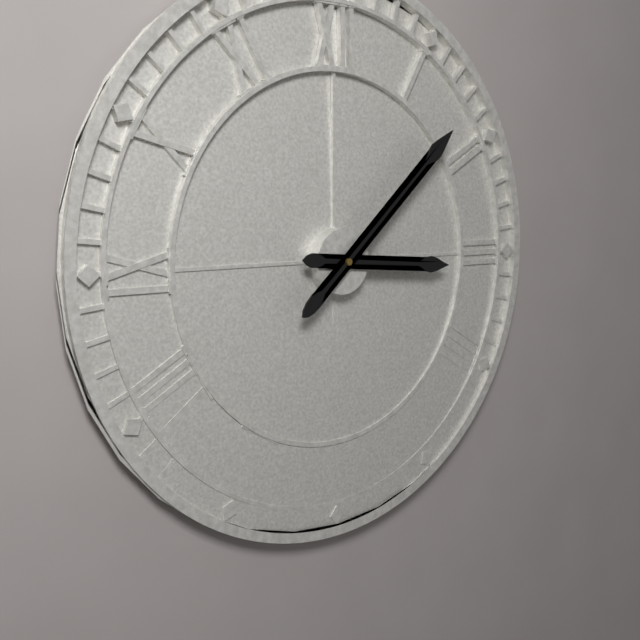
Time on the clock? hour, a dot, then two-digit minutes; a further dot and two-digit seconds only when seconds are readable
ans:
3.08
